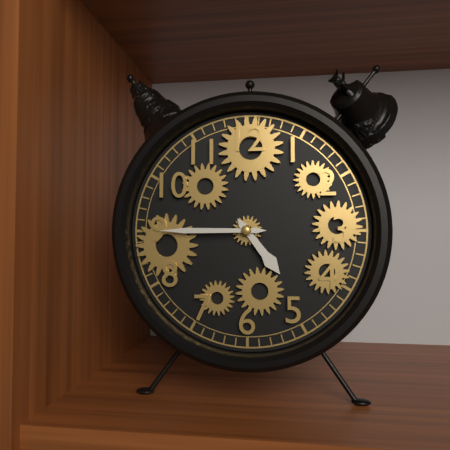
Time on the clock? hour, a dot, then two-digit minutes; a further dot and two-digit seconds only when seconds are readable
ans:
4.45
